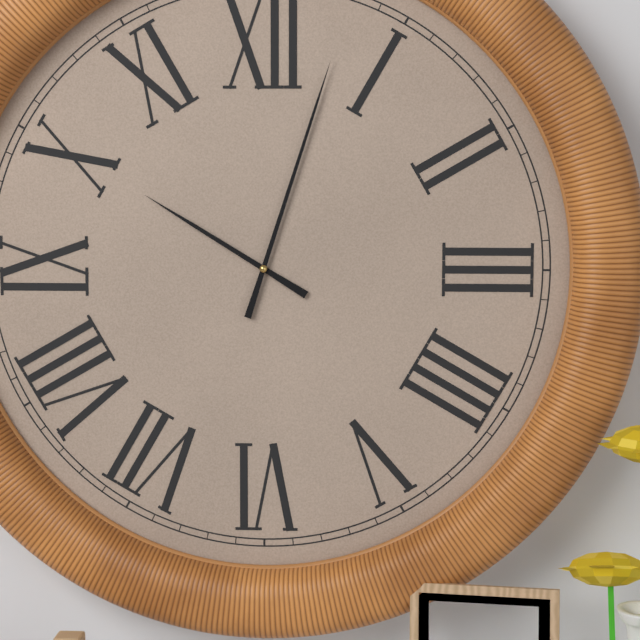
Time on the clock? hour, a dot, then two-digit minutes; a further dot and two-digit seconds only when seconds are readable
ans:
10.03
